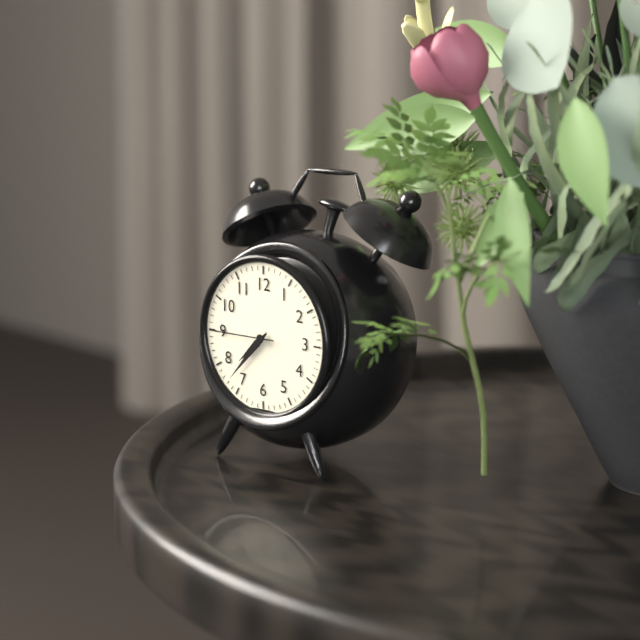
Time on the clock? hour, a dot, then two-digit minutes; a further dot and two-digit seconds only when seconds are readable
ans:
7.37.45
